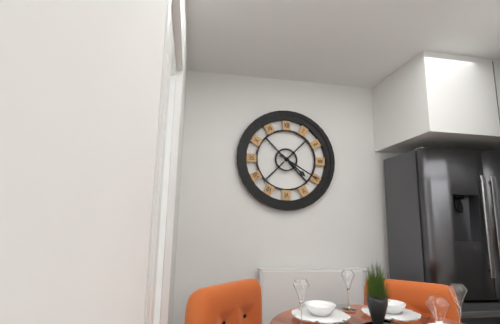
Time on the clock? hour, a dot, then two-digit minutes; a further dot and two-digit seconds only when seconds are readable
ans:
4.20
